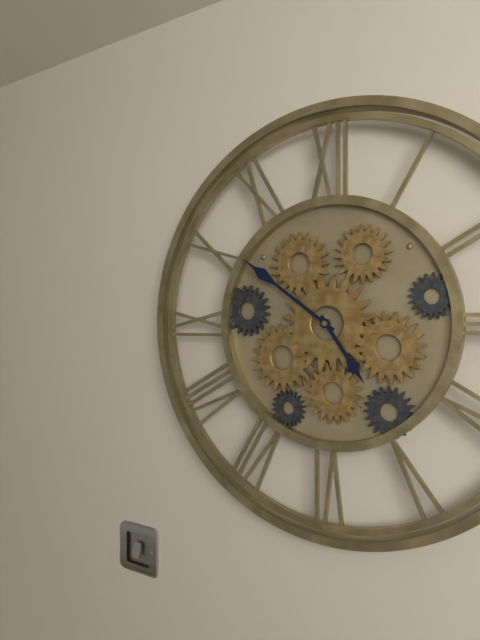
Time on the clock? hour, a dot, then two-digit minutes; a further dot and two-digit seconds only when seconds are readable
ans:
4.51
